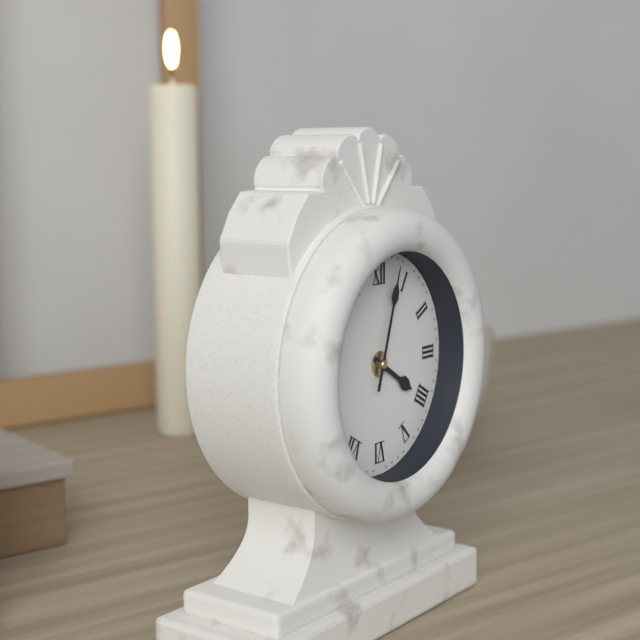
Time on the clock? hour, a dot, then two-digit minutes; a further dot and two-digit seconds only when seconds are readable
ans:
4.03
